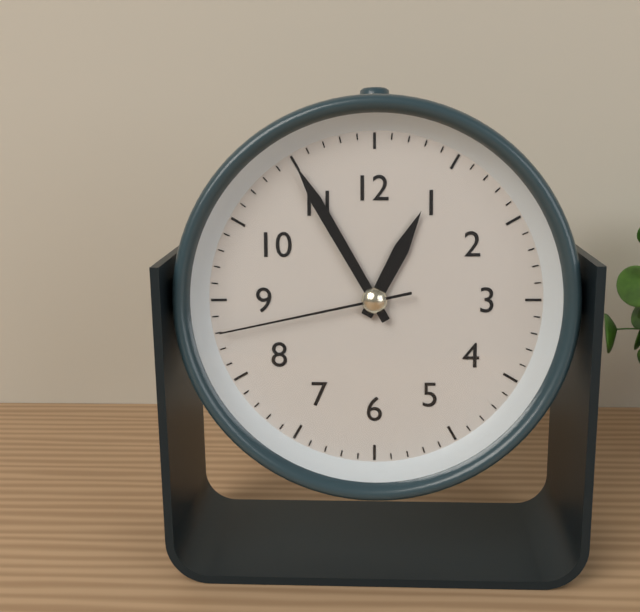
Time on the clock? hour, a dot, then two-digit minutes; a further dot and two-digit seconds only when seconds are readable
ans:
12.55.43
